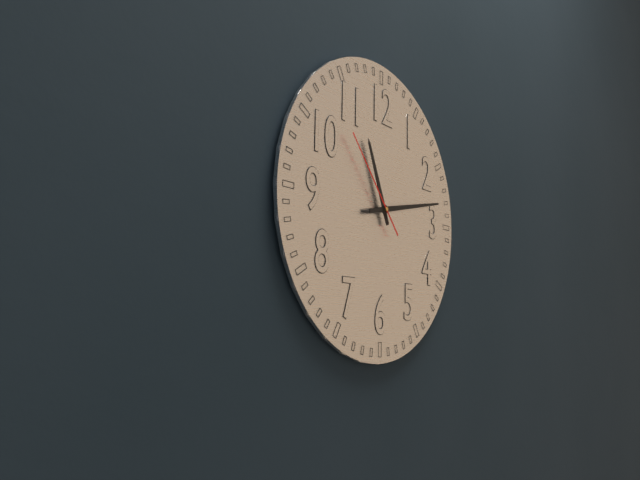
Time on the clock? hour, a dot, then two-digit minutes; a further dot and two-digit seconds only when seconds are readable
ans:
11.13.53
